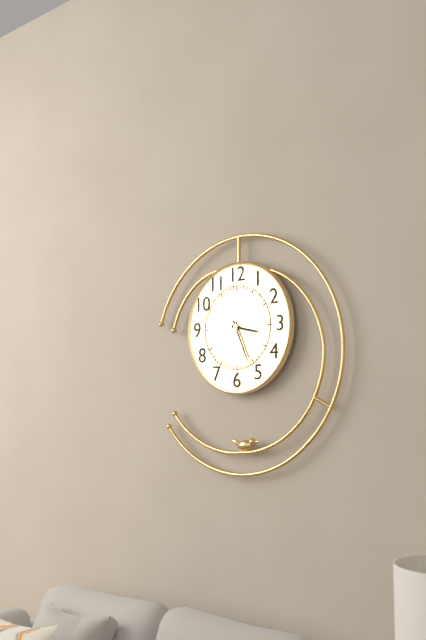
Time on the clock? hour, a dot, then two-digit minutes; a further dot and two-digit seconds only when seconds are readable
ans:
3.26
